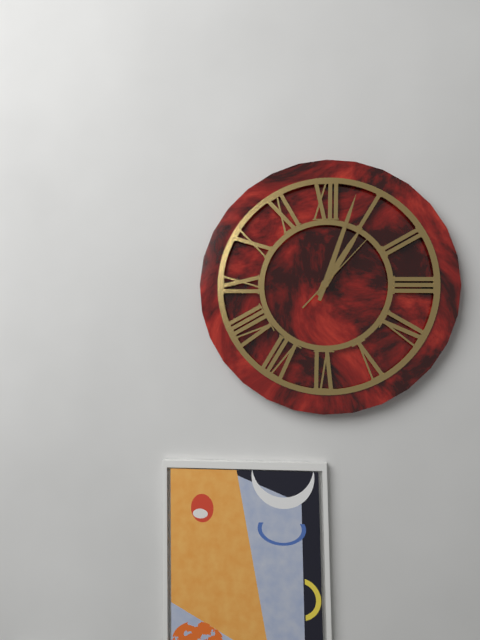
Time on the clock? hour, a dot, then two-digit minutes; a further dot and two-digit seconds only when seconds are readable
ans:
1.03.07
